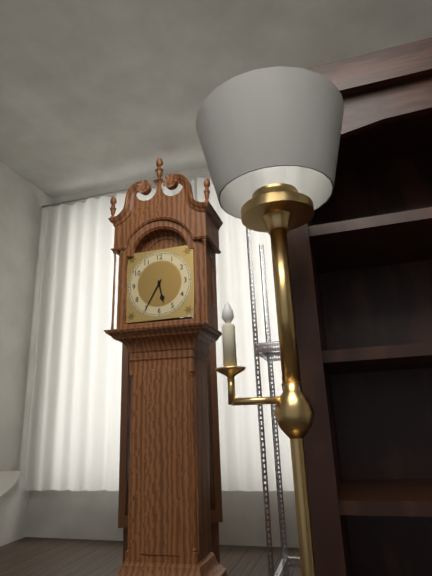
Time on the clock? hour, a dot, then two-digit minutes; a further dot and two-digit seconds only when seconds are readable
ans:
5.35
